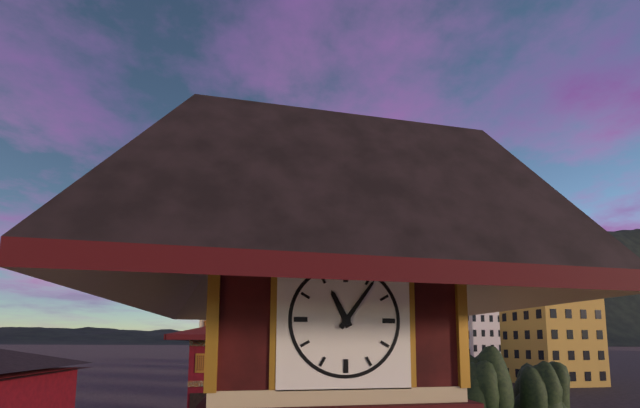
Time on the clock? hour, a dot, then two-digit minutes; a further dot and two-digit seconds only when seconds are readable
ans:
11.06
